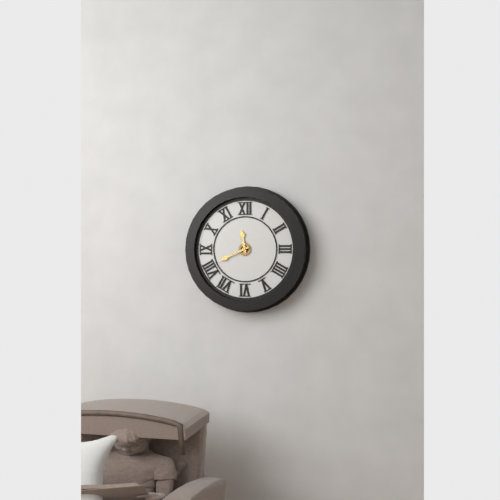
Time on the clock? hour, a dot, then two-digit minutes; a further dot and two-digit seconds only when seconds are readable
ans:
11.41
